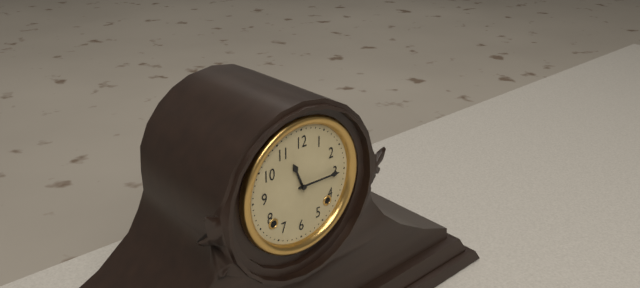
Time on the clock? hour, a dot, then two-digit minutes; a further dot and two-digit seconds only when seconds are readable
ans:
11.15
